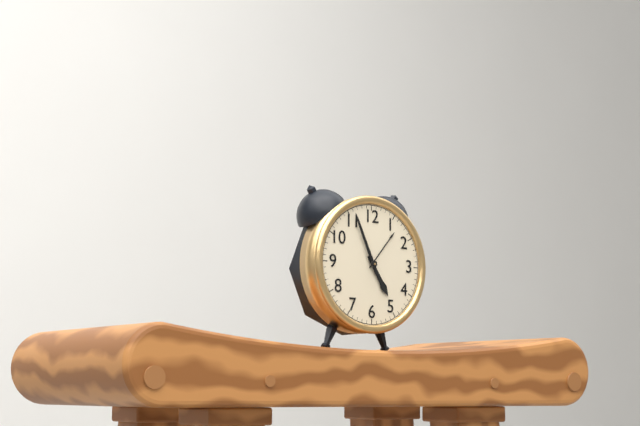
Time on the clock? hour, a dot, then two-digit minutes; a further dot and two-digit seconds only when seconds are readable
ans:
4.56
